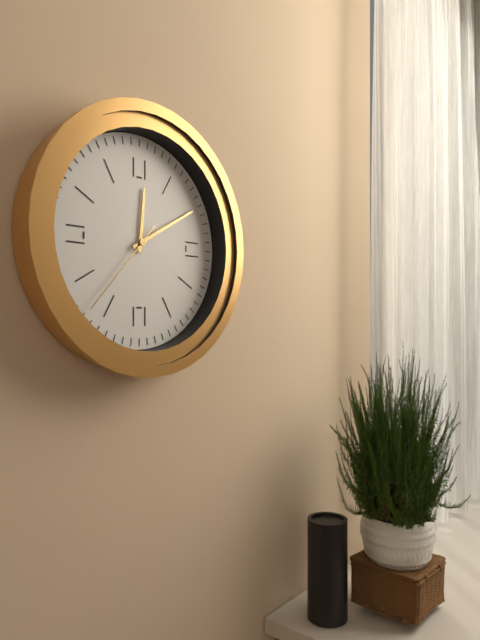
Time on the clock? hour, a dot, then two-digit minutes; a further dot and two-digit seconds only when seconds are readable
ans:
12.10.37
